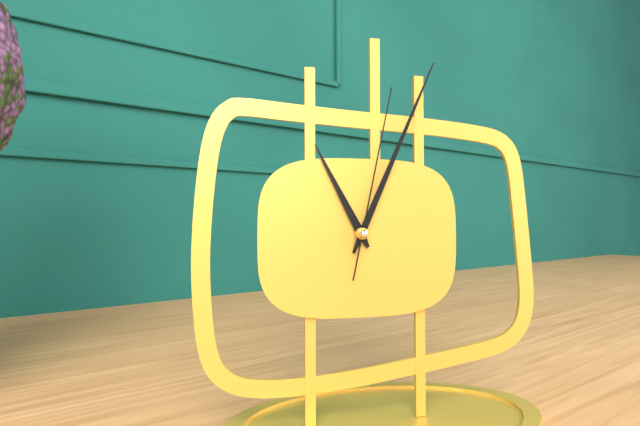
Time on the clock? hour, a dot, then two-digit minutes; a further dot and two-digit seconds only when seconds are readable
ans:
11.04.02
